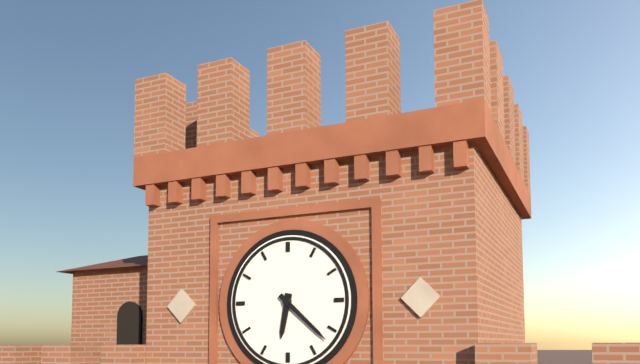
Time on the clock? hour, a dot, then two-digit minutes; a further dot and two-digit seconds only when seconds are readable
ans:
6.22
